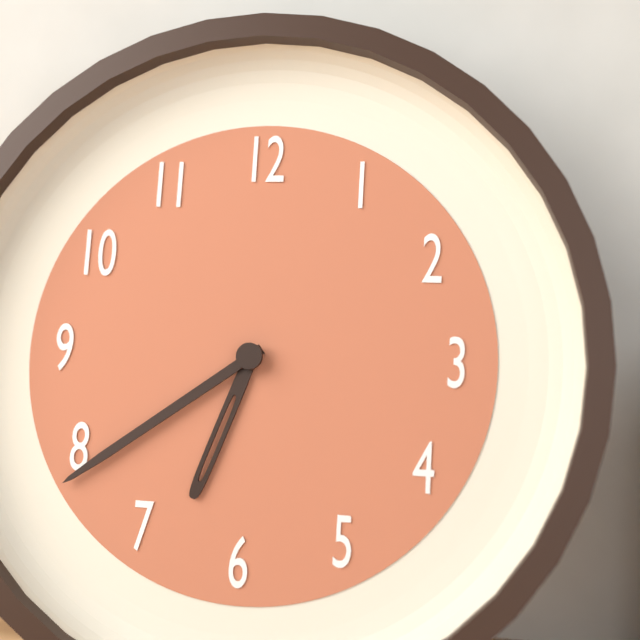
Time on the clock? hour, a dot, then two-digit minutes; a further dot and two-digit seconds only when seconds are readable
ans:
6.39
